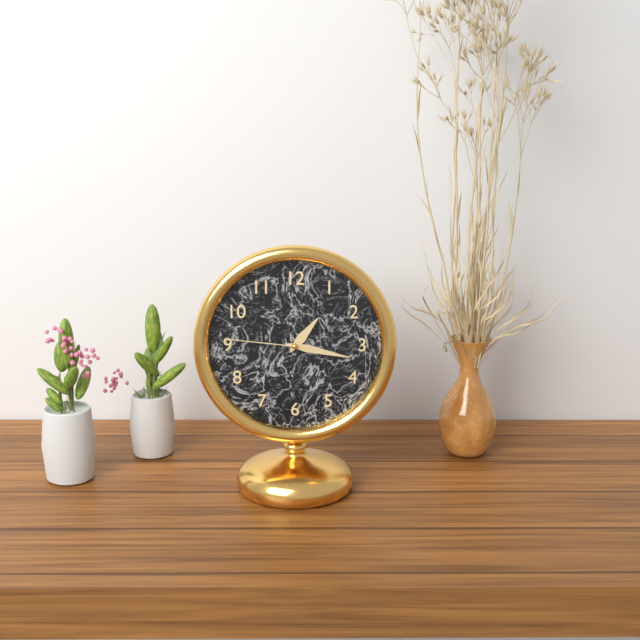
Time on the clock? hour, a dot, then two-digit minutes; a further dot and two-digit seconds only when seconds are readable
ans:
1.17.46
